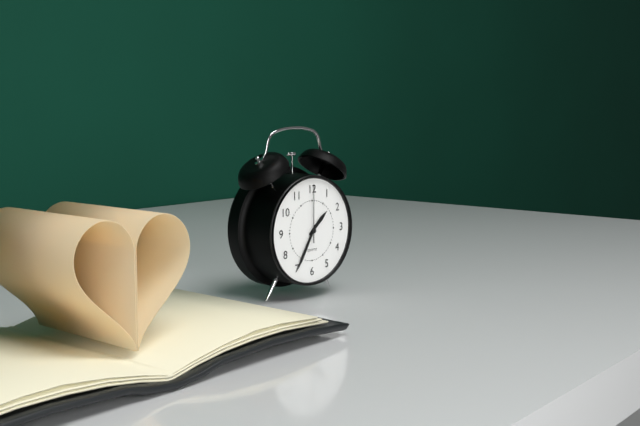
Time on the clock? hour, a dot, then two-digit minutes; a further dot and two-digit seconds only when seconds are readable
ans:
1.35.00
